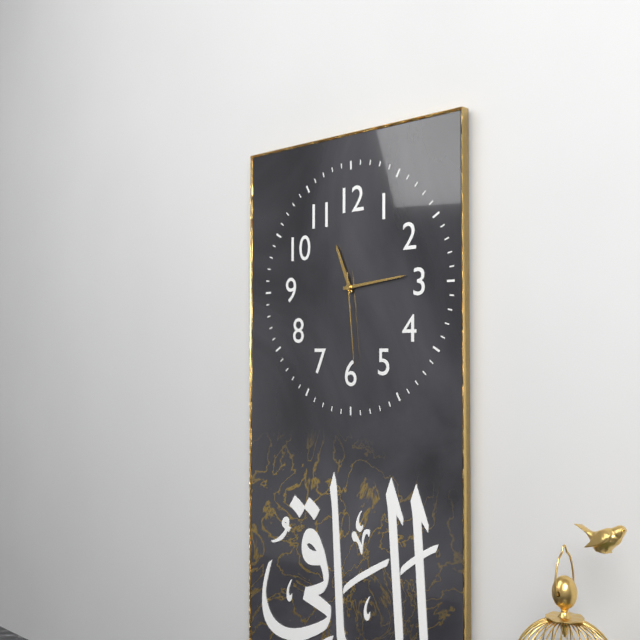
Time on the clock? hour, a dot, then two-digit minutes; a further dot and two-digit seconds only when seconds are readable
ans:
11.14.29
